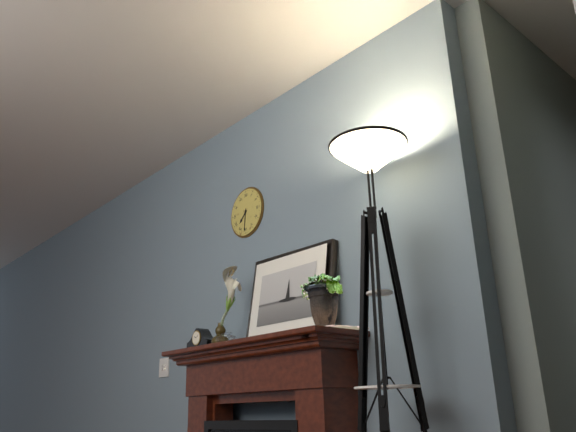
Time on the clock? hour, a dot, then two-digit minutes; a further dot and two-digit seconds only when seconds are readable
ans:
7.31
